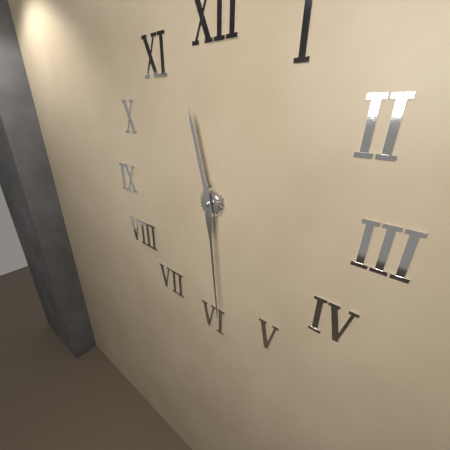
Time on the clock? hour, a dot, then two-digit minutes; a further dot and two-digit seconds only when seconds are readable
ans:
11.29
